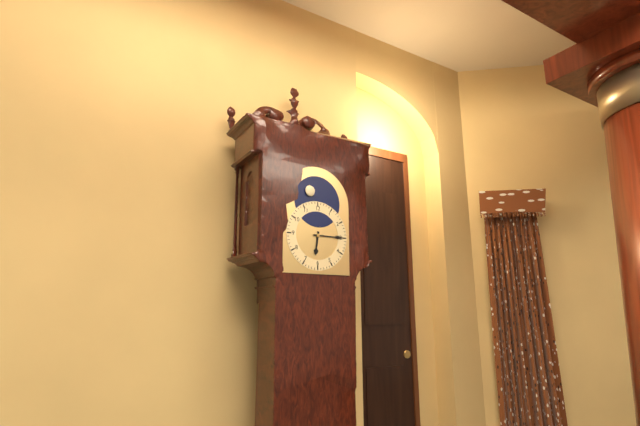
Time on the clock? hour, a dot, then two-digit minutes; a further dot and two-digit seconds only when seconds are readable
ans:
6.15
